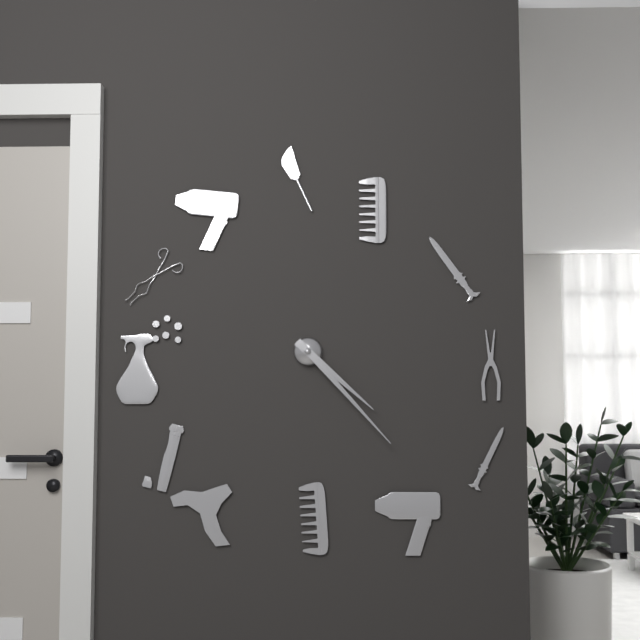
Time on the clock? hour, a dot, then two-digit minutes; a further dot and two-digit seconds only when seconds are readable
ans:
4.23
